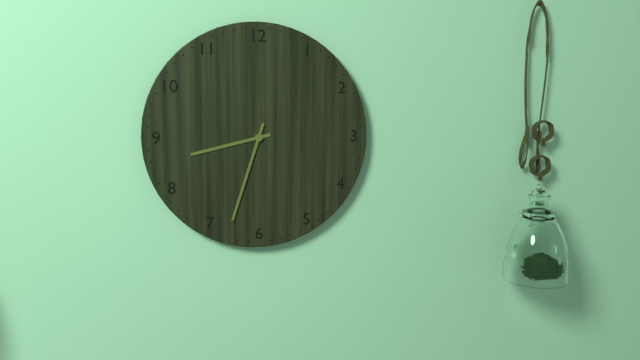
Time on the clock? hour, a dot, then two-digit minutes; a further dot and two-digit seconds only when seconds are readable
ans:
8.33
